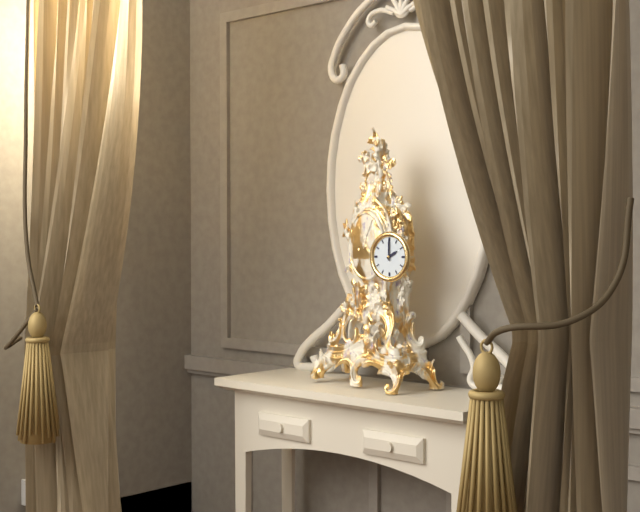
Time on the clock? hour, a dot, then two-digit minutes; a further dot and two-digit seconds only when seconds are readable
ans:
2.00
